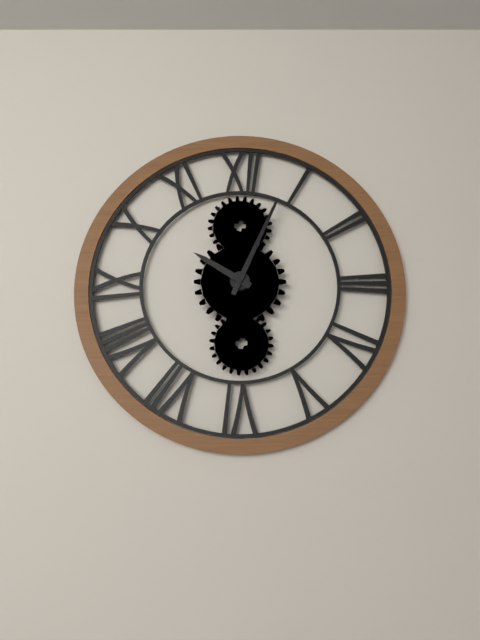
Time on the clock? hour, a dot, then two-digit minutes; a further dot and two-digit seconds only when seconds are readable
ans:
10.04
